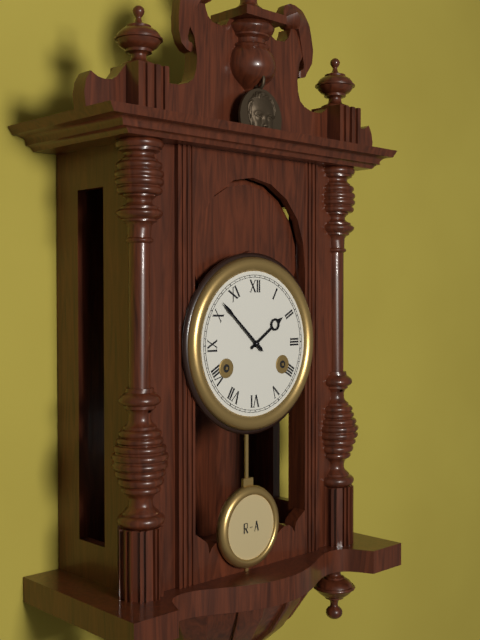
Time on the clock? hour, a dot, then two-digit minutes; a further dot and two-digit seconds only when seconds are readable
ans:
1.52
